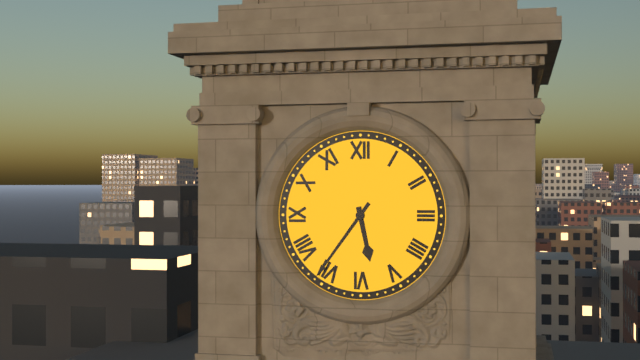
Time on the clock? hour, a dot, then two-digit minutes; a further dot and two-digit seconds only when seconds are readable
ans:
5.36
